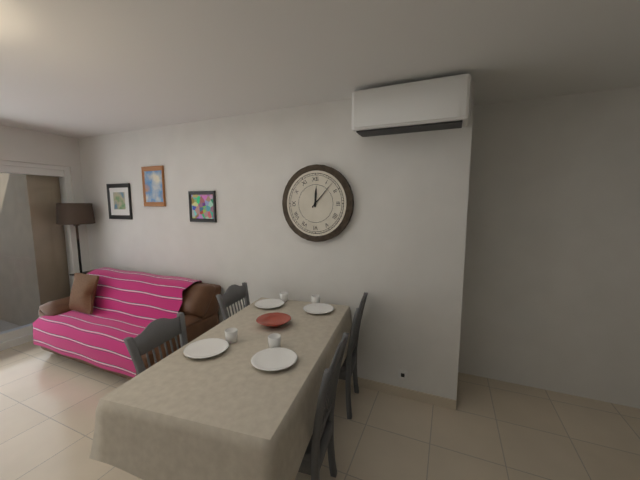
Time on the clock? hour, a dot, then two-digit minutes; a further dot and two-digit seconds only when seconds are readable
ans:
12.07
